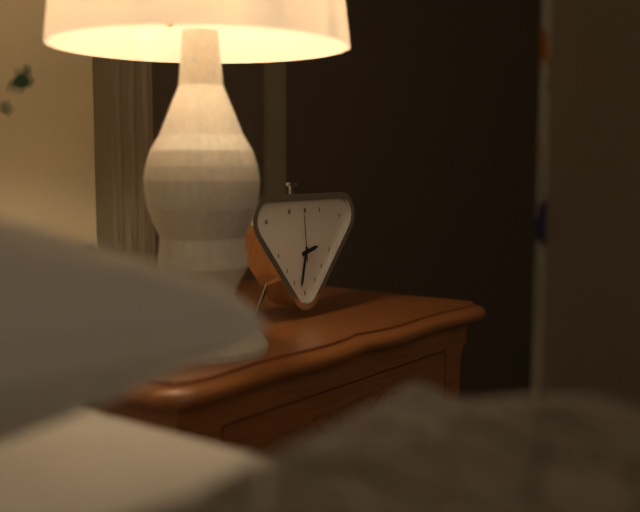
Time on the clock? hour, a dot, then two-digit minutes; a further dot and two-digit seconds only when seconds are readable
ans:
2.32
